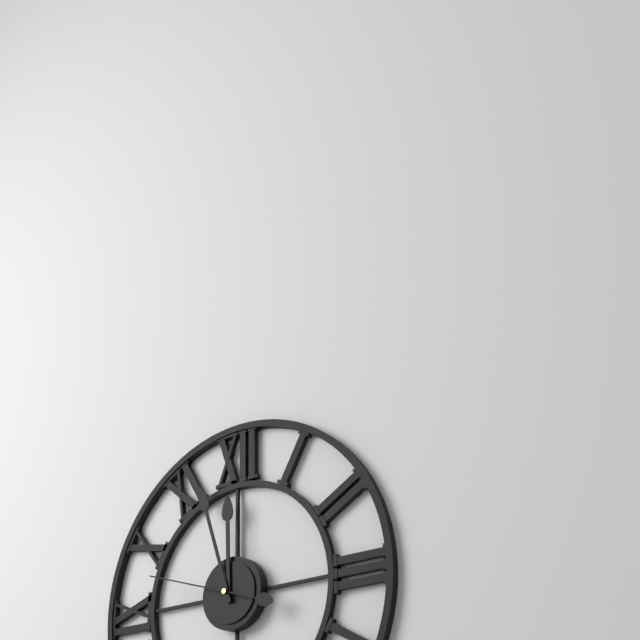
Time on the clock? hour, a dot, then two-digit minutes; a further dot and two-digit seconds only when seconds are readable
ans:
11.57.48
